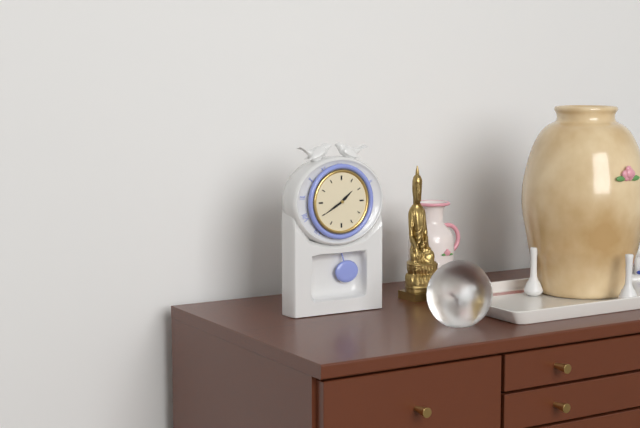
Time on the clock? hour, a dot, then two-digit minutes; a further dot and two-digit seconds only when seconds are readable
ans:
1.40
